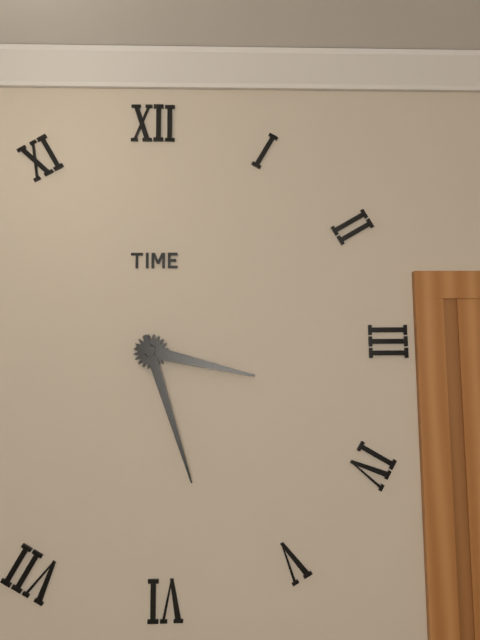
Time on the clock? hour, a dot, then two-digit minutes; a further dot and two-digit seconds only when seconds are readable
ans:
3.27
